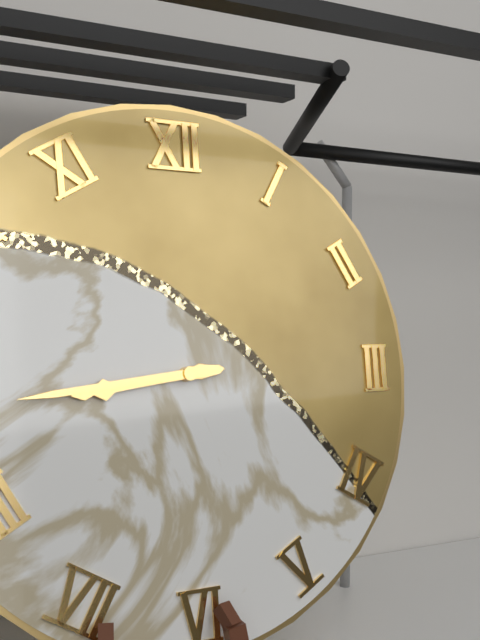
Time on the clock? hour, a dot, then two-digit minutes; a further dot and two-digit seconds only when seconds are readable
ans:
8.44
